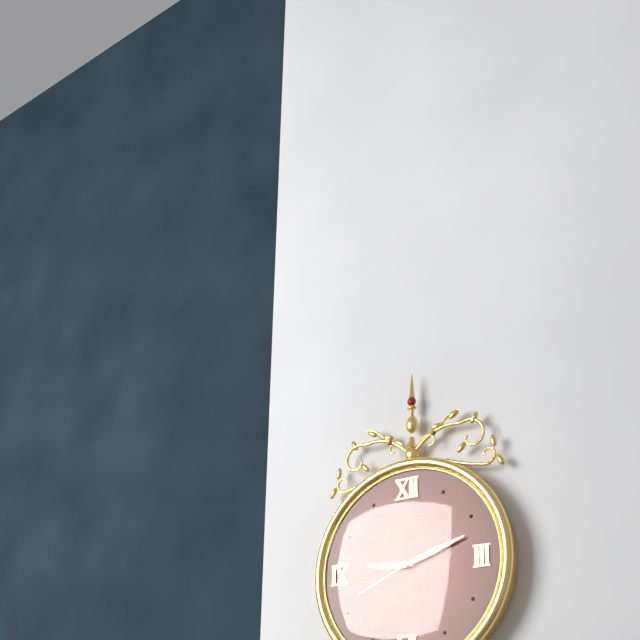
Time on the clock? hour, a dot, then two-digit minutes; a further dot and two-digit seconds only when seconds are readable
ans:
9.12.41
